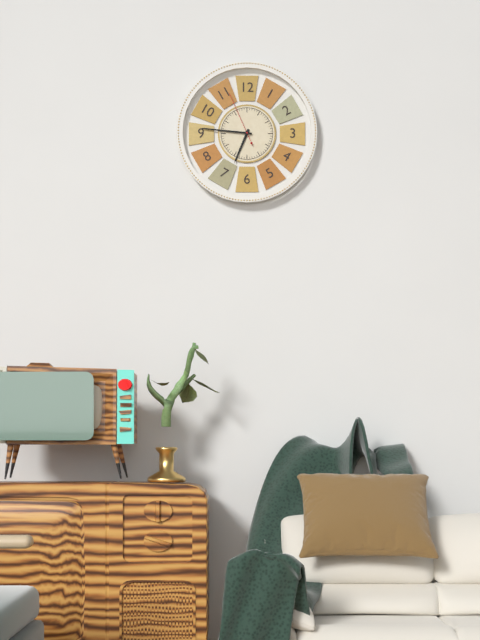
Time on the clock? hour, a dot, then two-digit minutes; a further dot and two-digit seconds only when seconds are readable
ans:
6.46.56
